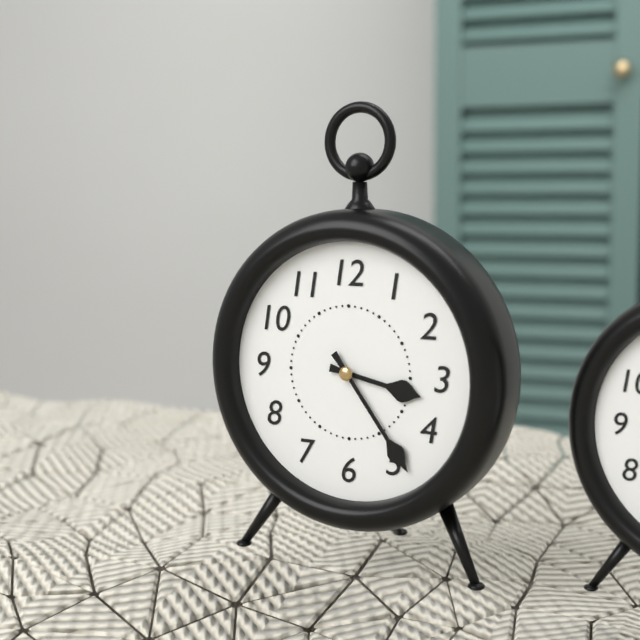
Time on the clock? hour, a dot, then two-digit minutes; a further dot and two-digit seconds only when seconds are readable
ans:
3.24
